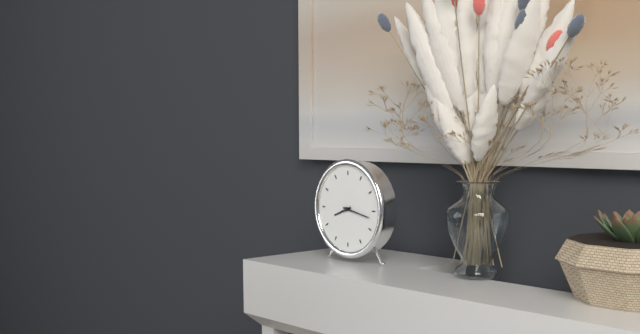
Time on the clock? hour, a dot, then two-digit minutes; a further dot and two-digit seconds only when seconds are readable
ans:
8.17
